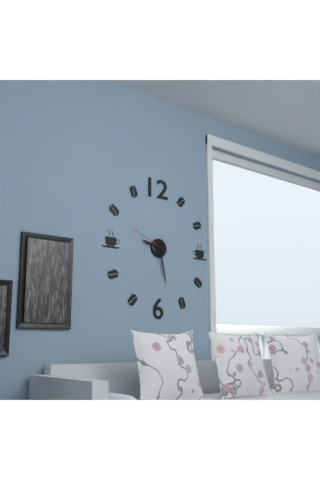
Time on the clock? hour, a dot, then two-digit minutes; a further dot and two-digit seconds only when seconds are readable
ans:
9.28
